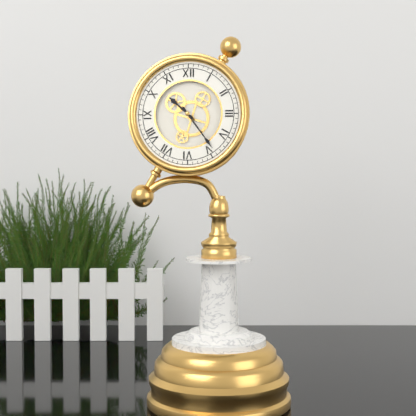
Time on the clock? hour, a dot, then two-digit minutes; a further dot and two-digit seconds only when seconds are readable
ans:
10.24
